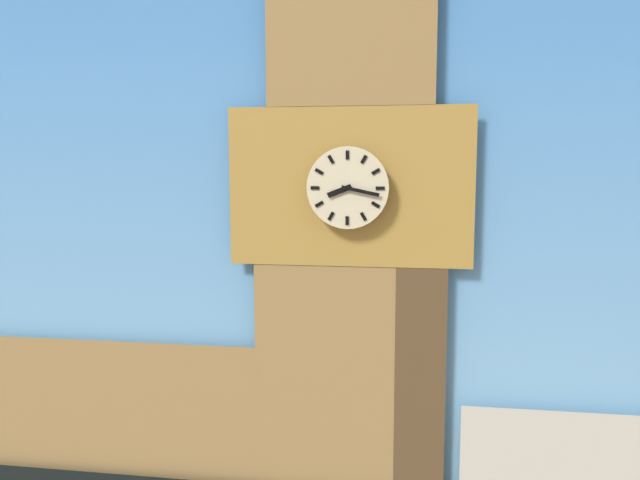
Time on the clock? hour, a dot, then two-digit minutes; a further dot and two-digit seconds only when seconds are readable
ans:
8.17
